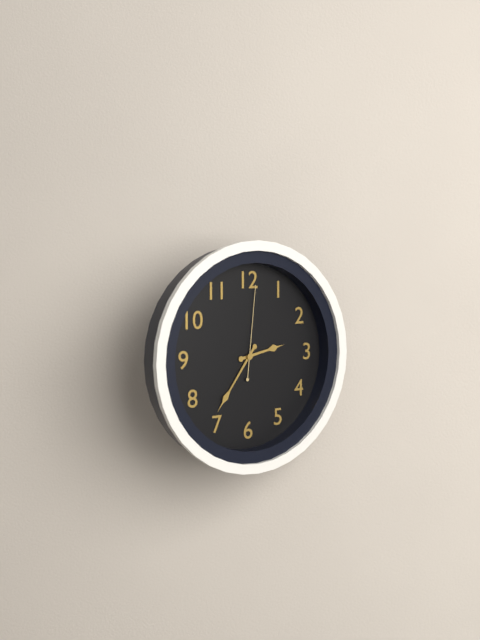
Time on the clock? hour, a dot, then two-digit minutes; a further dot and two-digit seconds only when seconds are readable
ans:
2.36.01
